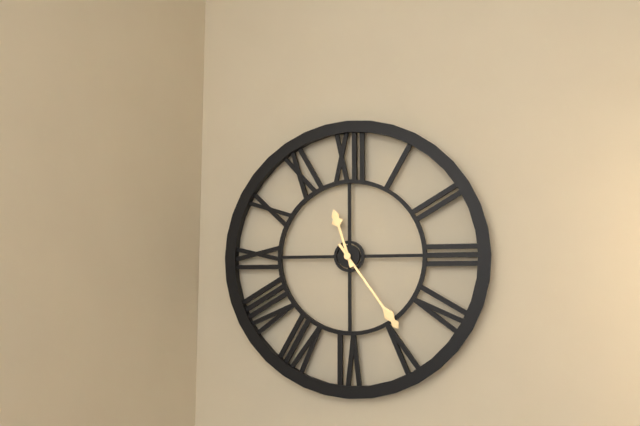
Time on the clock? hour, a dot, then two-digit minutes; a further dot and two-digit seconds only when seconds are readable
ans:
11.24
